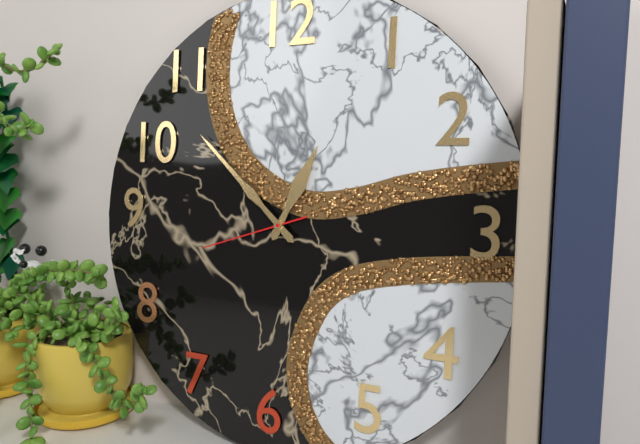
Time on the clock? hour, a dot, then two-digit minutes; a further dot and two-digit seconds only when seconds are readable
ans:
12.52.42
